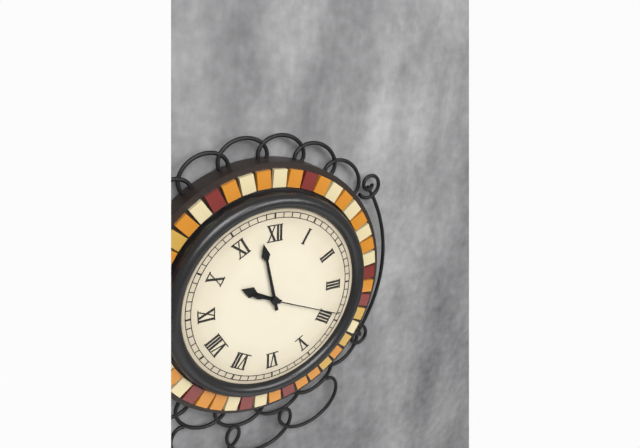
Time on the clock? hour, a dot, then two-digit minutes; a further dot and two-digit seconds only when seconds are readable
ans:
9.58.19
